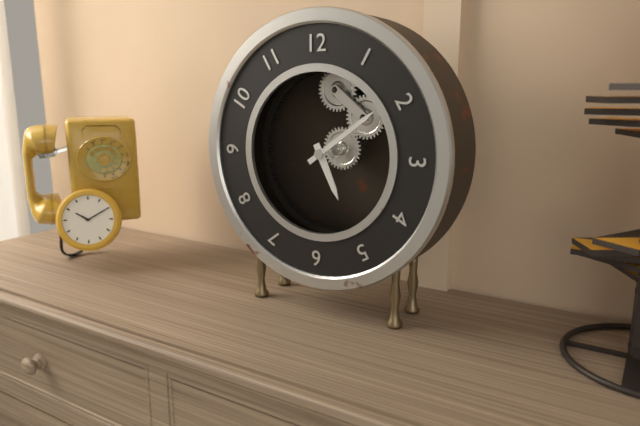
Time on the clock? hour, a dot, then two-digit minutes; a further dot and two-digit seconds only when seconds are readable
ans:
5.09
